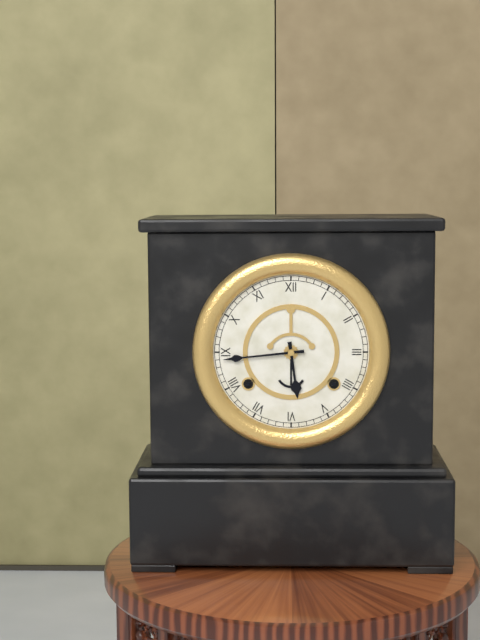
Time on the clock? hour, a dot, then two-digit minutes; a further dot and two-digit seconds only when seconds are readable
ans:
5.44
